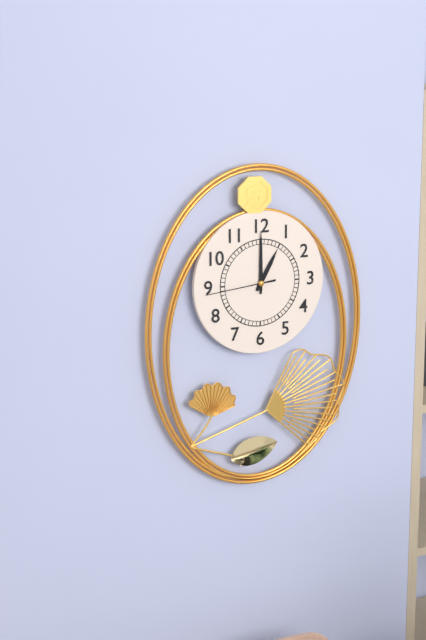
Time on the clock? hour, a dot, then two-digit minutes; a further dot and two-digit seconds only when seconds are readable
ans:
1.00.44
